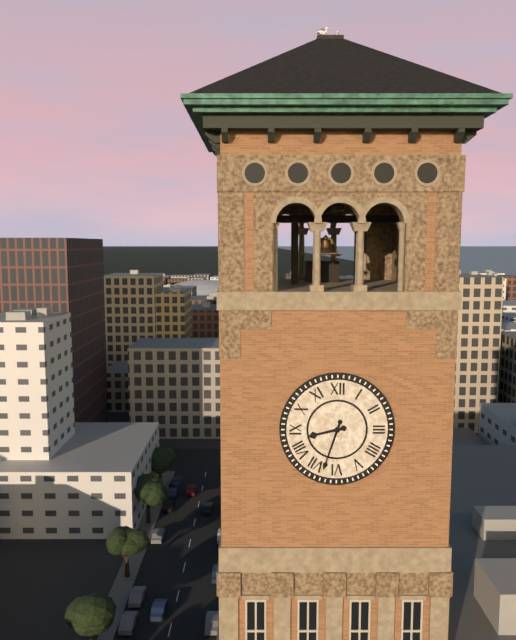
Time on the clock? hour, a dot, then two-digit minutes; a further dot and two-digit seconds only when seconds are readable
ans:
8.33
